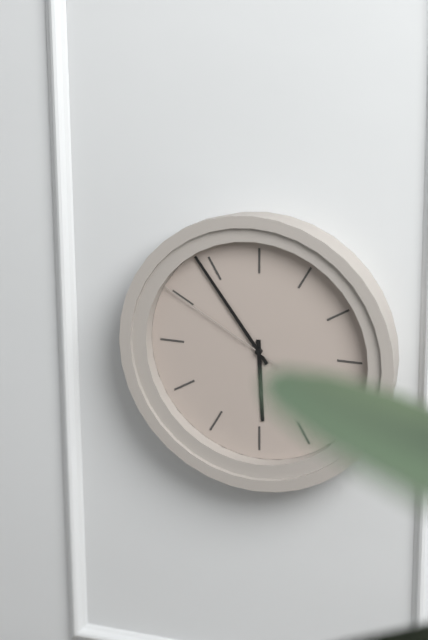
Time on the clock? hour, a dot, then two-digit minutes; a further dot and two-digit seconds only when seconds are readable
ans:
5.54.50
